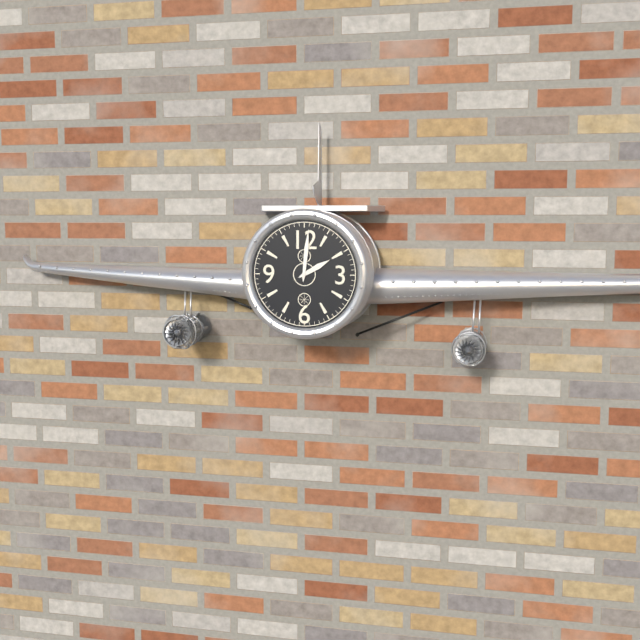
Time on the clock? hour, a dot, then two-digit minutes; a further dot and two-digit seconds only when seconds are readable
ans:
2.01
